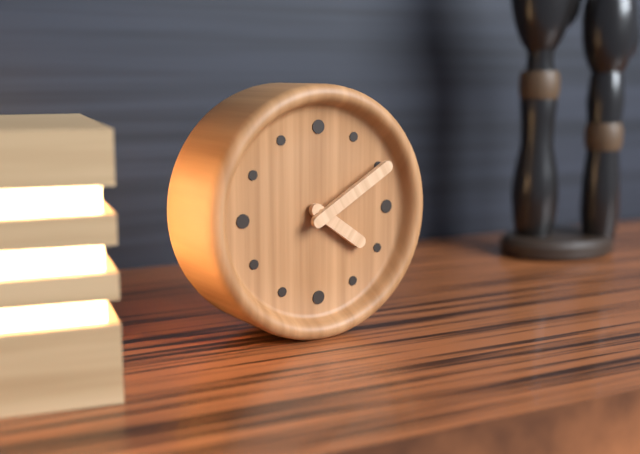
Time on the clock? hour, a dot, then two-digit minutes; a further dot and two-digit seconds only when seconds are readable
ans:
4.10
